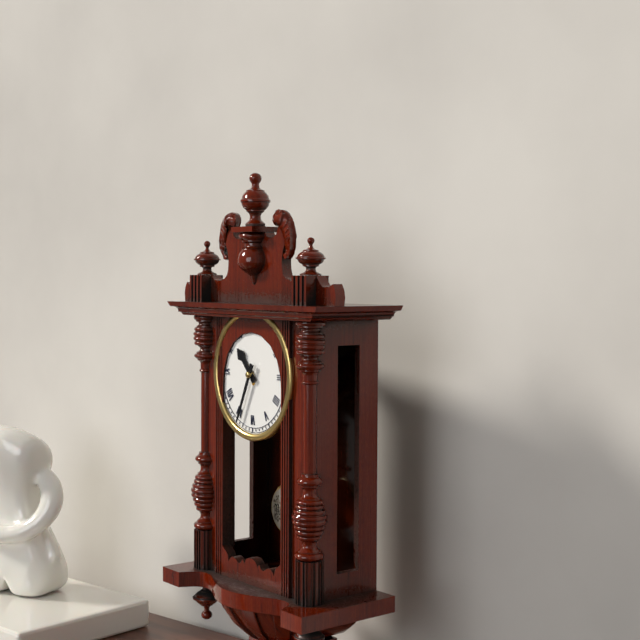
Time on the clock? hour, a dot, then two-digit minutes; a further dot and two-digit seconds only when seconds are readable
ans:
10.34
